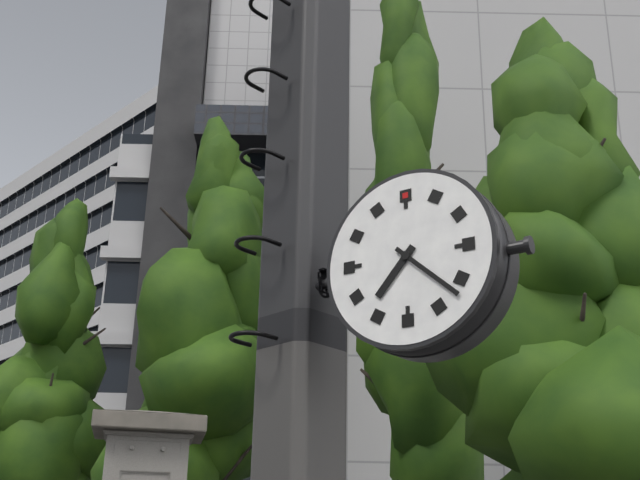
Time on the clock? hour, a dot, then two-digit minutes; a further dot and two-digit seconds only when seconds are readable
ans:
7.22
